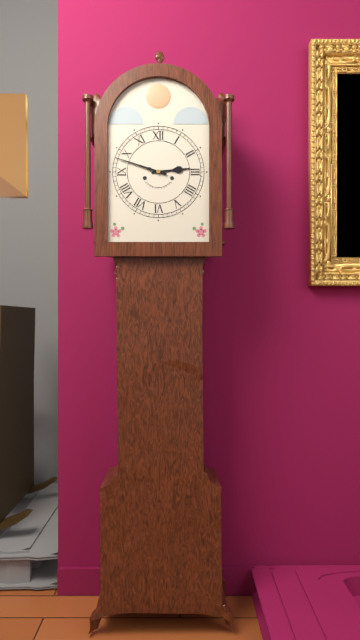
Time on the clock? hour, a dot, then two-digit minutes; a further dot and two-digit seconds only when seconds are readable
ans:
2.48
